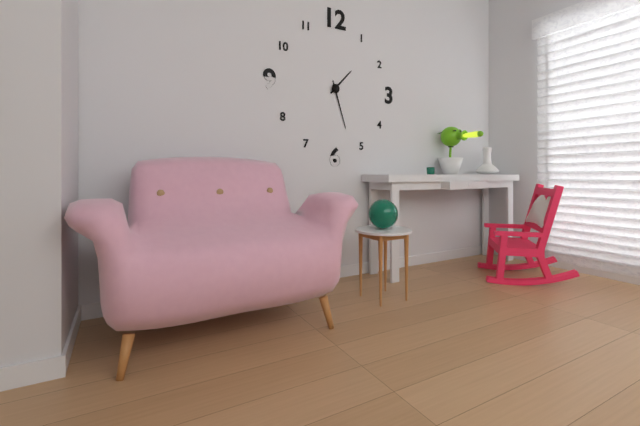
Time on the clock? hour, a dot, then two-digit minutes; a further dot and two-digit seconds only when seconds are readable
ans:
1.27
